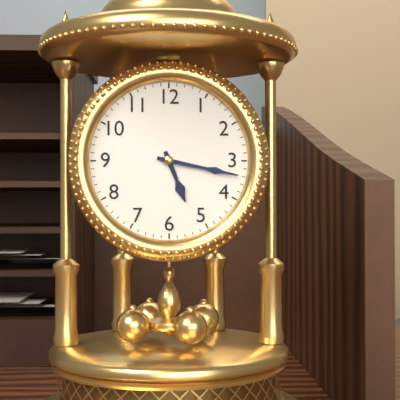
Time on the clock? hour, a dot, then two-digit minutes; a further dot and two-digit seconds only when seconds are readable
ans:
5.17
